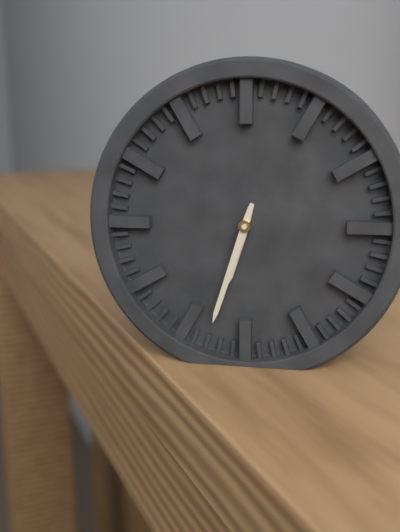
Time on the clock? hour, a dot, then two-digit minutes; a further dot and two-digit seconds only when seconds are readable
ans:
6.33
